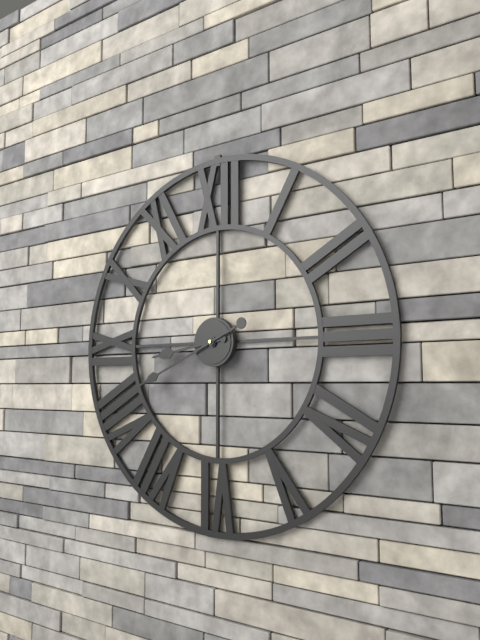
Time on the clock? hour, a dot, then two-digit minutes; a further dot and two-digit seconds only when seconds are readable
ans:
8.41
